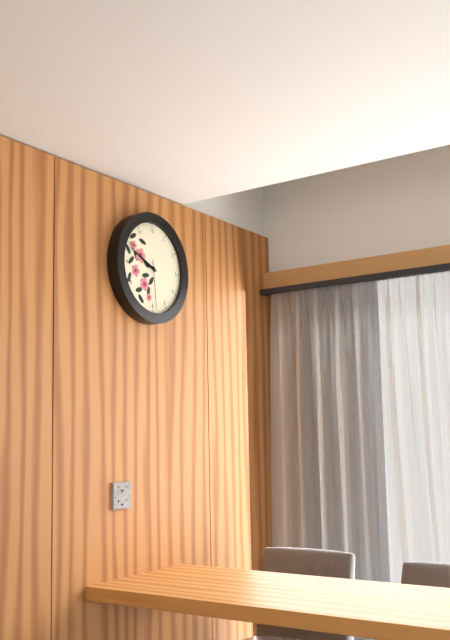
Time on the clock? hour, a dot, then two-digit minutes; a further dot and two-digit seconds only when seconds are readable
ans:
9.49.29
